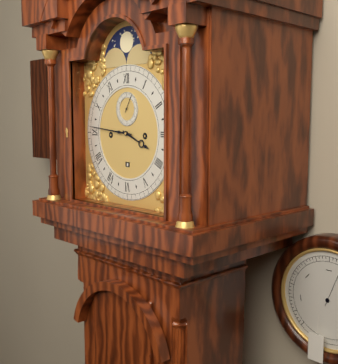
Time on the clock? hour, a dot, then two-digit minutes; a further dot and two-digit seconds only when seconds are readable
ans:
3.46
